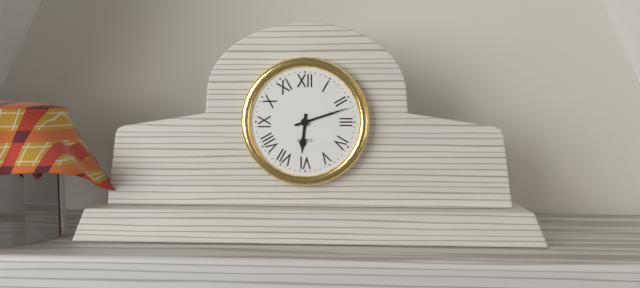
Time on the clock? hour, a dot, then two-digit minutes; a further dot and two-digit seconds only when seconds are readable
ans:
6.12
